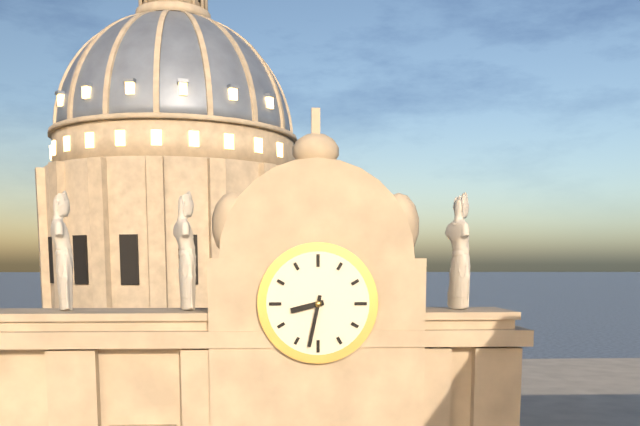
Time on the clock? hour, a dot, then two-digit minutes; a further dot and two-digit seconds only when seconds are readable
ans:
8.32
